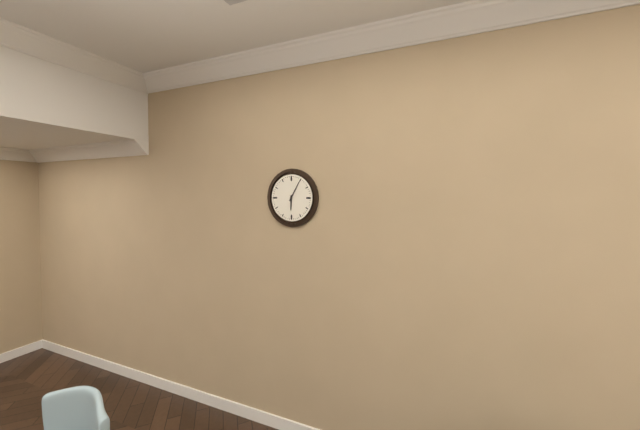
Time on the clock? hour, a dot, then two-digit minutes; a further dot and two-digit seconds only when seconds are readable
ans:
6.05
